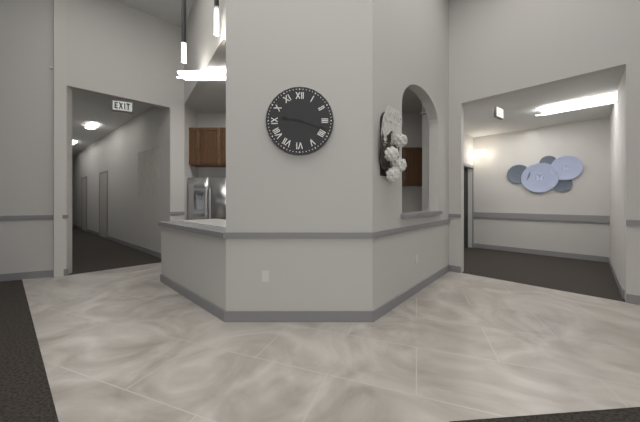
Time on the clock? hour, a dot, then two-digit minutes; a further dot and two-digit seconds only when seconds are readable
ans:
9.18
